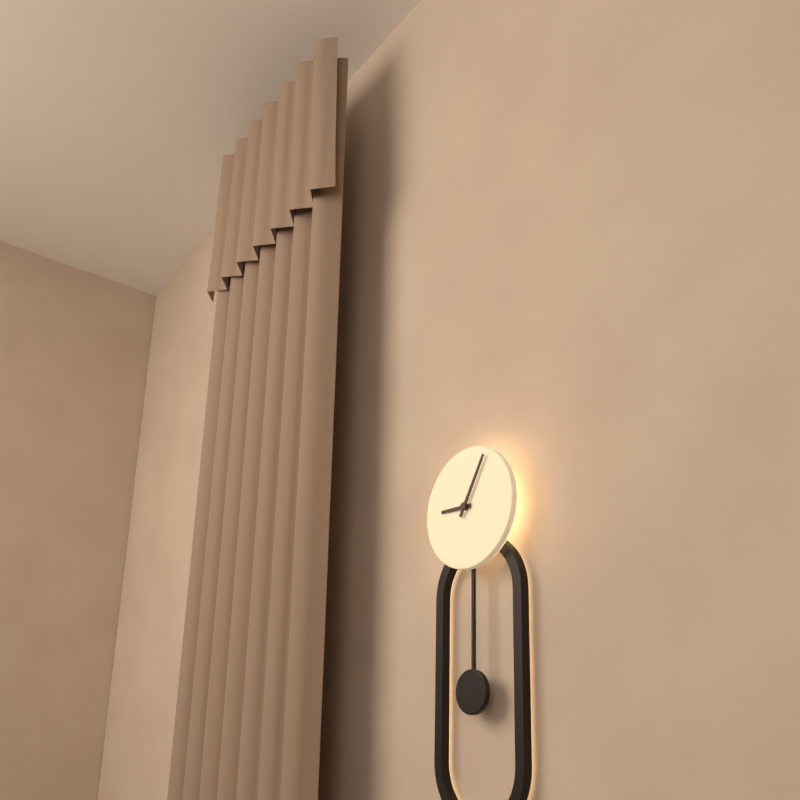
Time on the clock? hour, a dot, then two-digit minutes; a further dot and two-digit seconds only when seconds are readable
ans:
9.05
